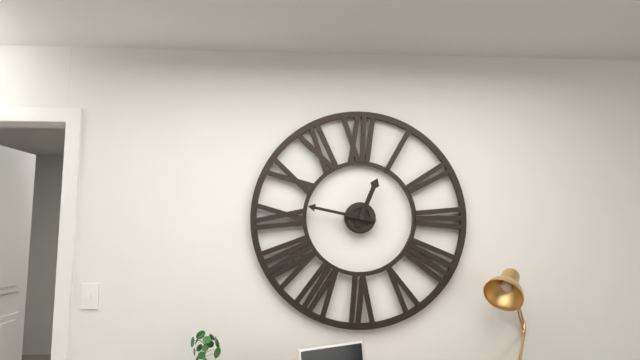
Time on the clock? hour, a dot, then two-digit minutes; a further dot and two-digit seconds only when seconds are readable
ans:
12.47
